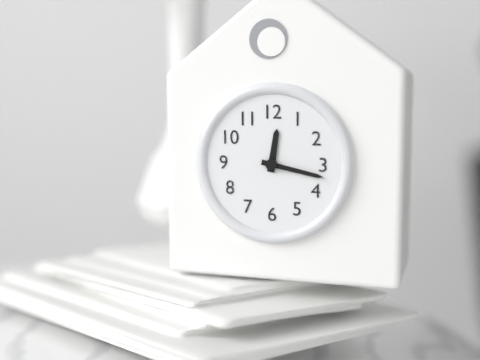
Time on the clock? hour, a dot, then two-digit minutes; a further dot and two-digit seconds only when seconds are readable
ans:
12.17
